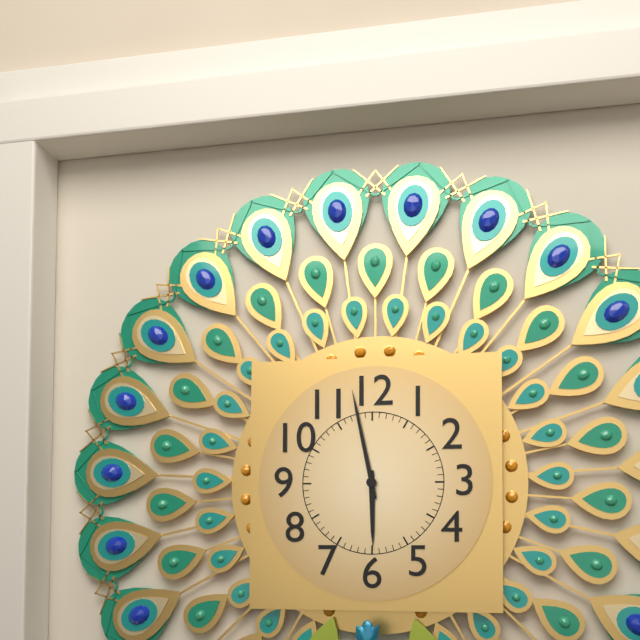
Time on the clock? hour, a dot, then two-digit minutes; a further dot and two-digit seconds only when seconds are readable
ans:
5.58
